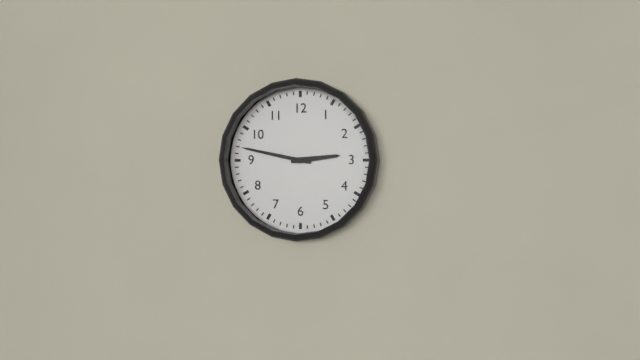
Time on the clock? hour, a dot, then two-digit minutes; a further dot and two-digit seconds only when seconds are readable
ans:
2.47
